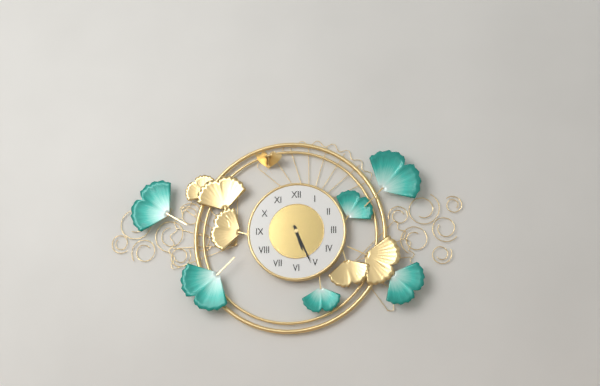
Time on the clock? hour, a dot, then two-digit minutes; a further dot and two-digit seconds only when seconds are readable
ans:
5.26
